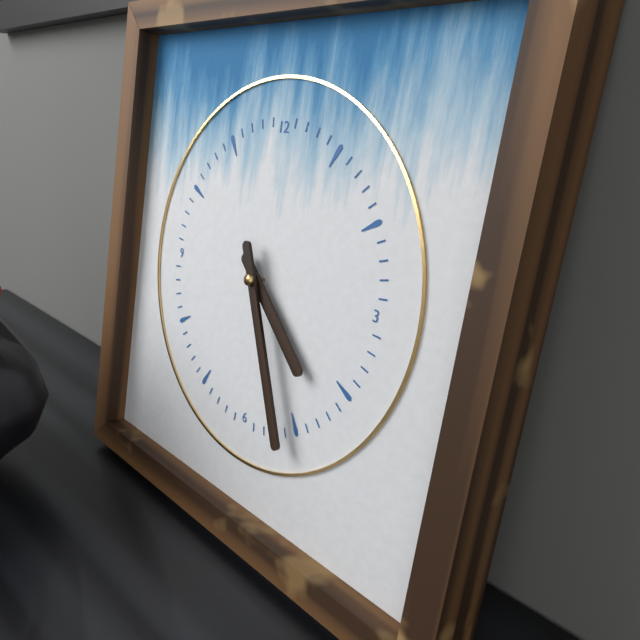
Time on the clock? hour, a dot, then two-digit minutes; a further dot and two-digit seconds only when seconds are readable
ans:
4.26
